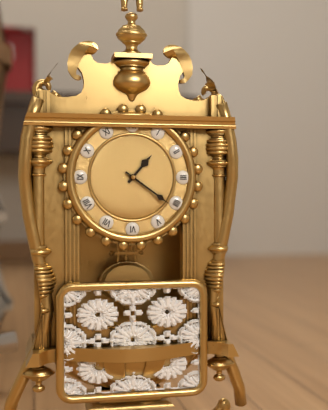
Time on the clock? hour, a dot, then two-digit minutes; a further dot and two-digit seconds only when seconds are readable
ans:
1.21
